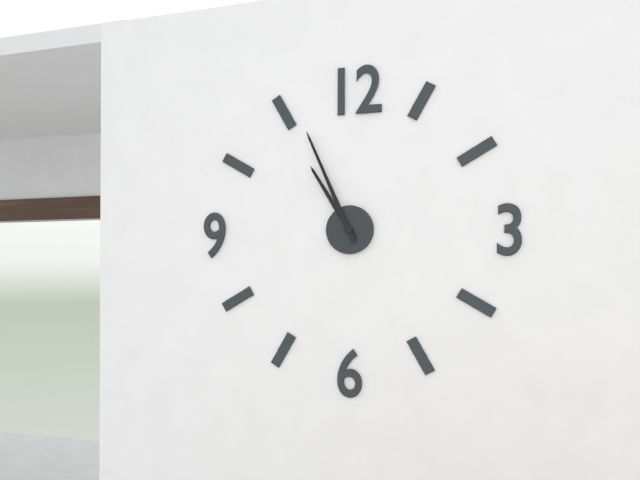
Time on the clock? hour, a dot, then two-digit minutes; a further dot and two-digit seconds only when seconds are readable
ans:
10.56
